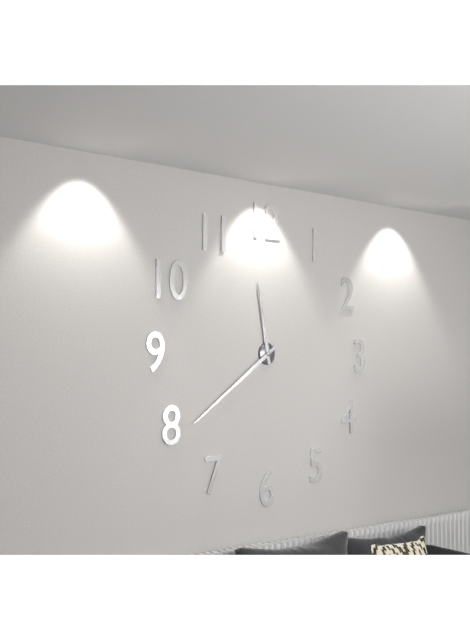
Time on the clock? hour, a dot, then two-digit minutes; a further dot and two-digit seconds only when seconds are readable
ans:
11.39
